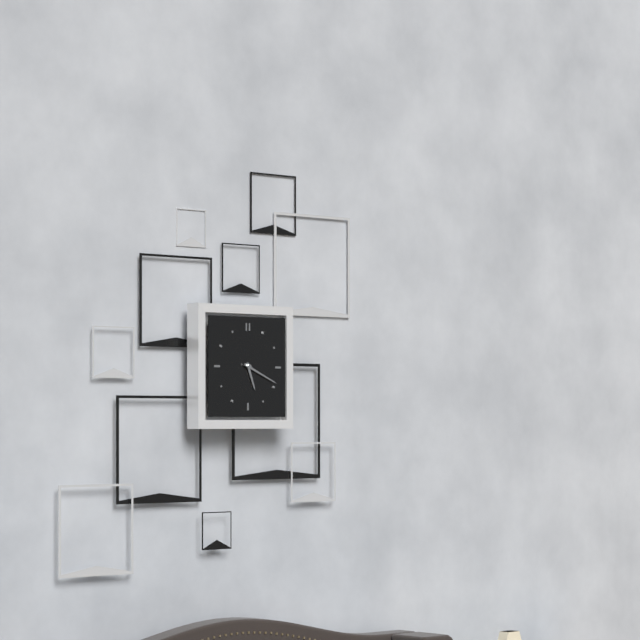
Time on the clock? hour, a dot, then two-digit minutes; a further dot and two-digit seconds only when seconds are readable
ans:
5.19
